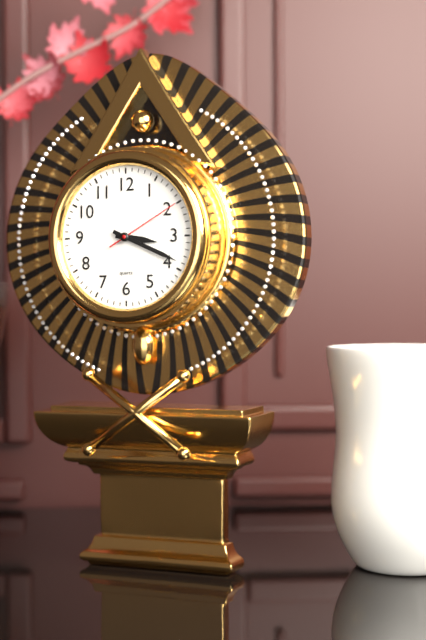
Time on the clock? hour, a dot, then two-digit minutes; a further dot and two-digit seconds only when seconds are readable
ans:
3.19.10
